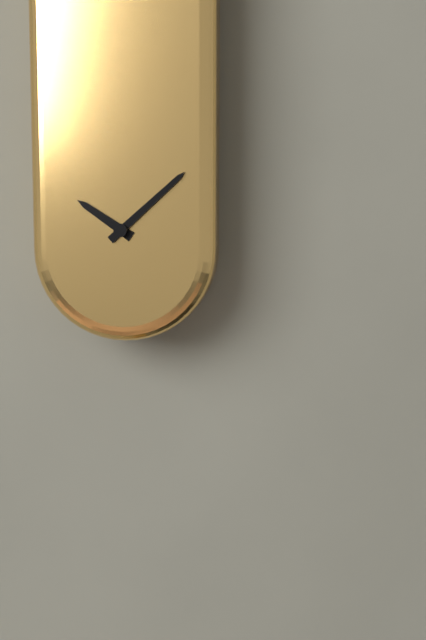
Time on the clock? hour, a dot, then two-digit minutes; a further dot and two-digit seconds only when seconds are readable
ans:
10.08
